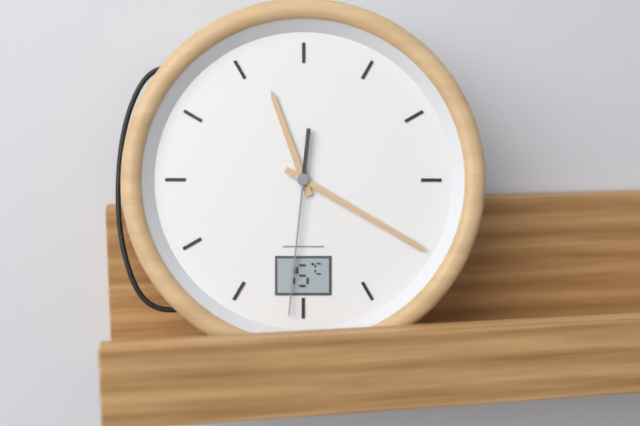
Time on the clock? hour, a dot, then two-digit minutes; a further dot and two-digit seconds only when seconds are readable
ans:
11.20.31
